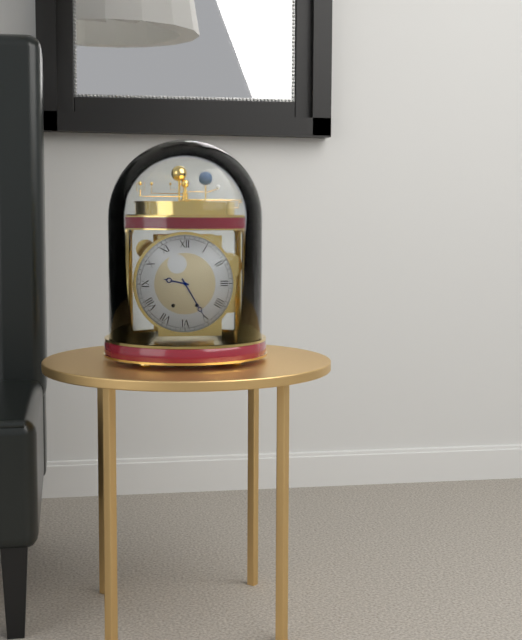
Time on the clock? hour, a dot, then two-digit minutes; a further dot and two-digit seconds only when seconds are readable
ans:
9.25
